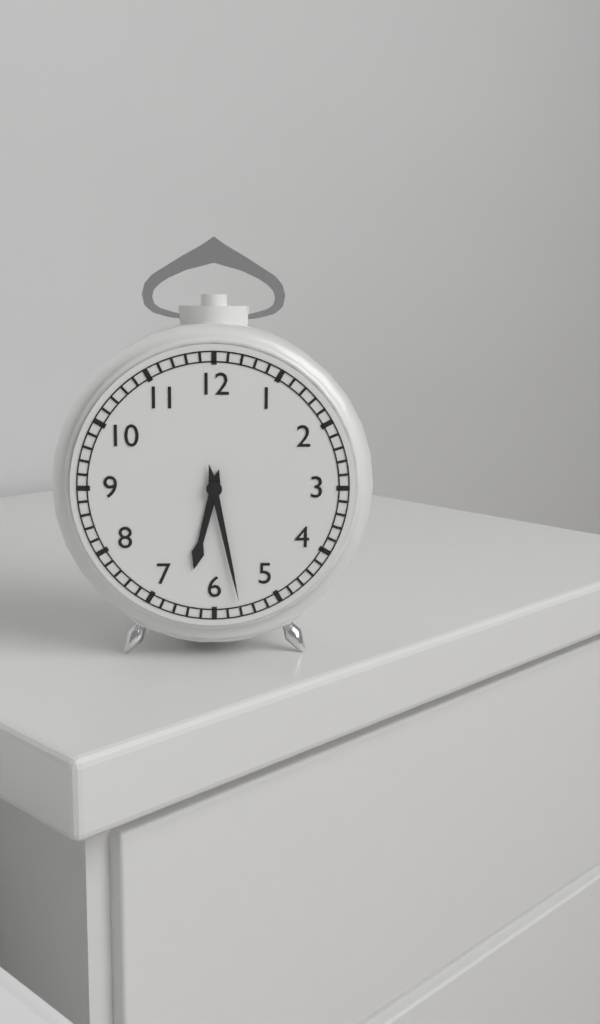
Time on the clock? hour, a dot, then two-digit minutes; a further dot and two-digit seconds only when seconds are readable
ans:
6.28
